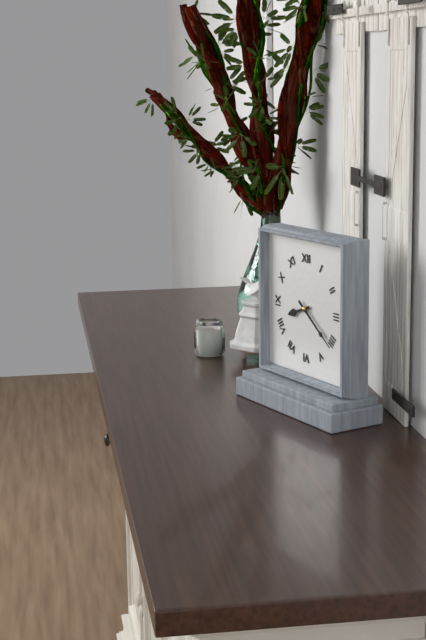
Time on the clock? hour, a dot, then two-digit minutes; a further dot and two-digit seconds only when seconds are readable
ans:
8.21
